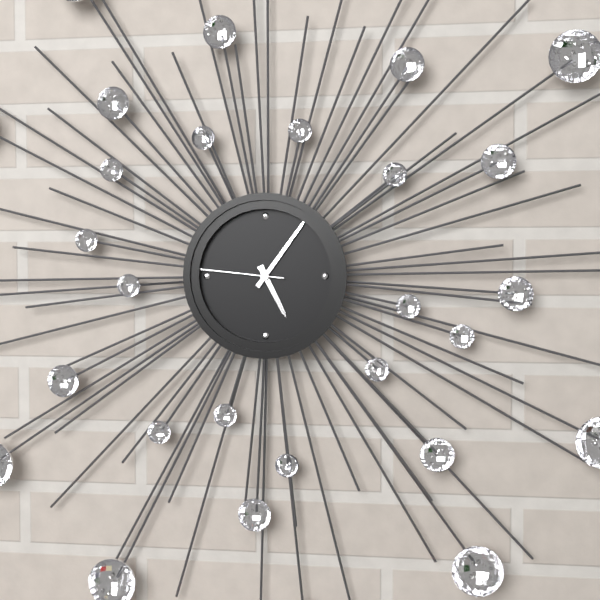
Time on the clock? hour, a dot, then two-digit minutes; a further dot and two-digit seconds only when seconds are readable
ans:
5.06.46
